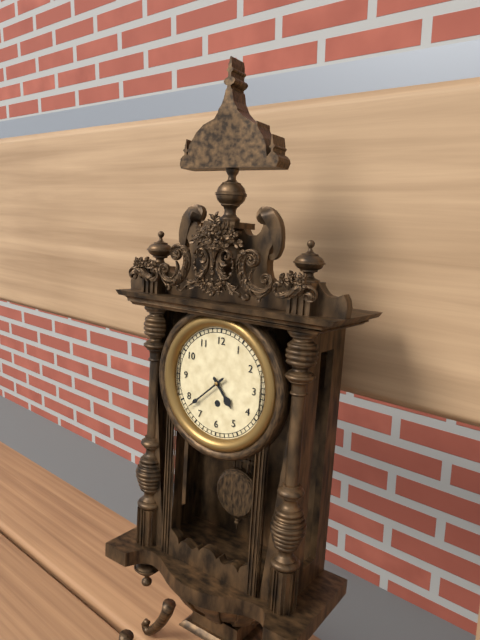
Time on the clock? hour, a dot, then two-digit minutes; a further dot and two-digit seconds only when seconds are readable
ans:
4.38
